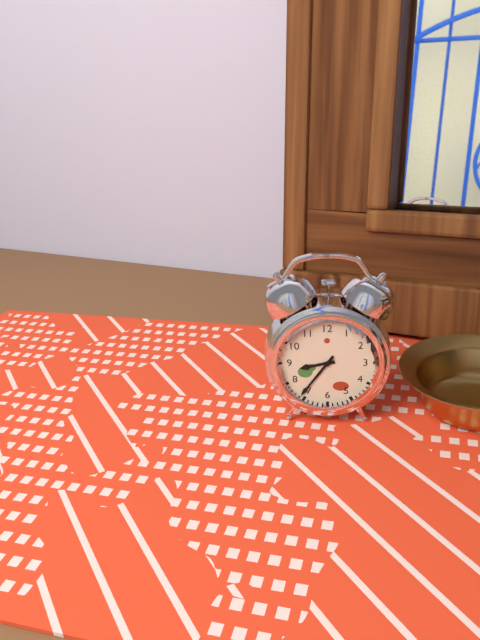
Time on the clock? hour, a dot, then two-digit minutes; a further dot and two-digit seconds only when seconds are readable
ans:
8.36
